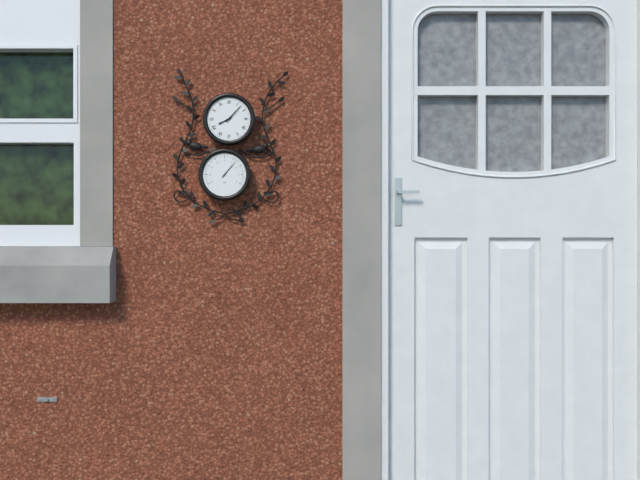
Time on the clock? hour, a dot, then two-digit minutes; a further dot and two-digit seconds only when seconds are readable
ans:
8.07
